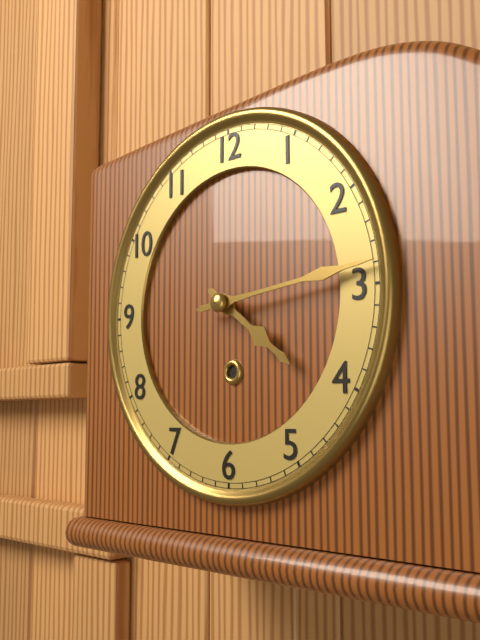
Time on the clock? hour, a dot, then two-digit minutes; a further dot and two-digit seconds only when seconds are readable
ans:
4.14
